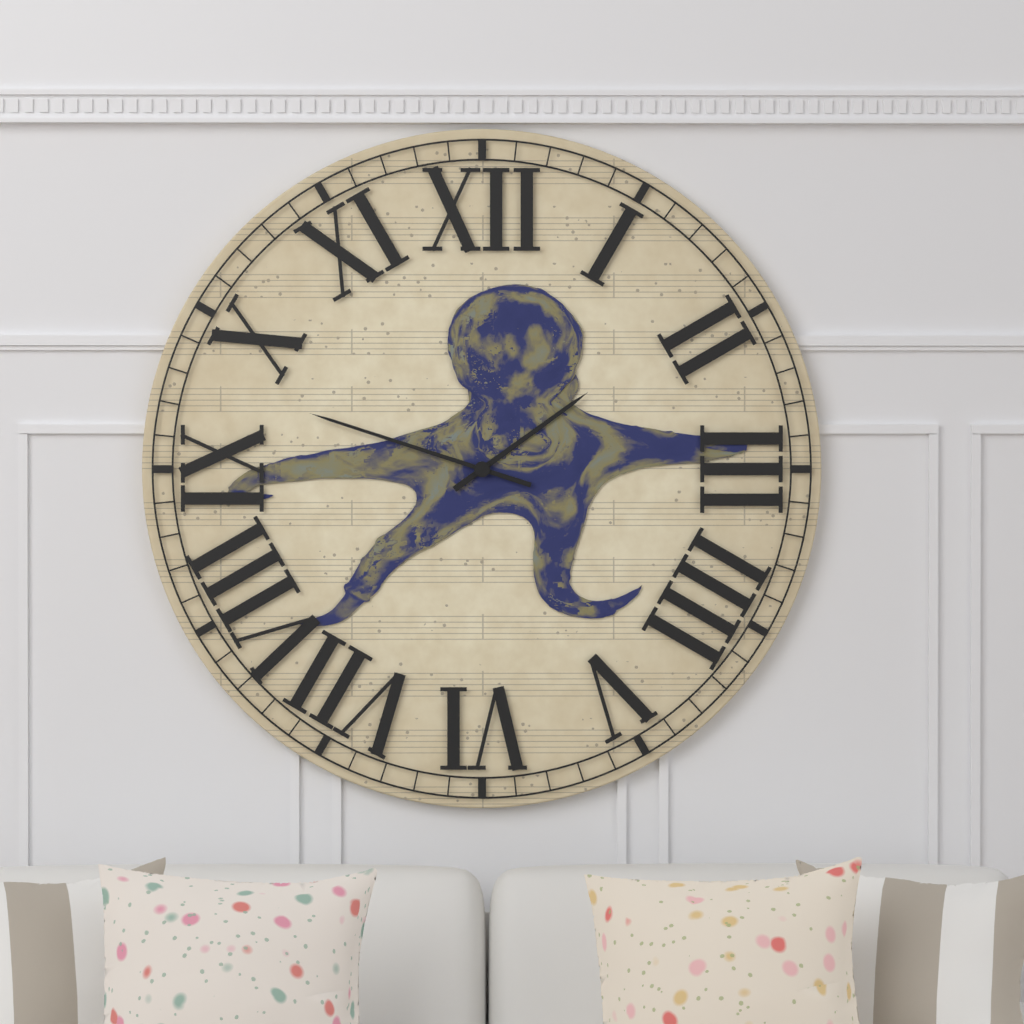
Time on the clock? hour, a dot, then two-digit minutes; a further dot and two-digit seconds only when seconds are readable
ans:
1.48
